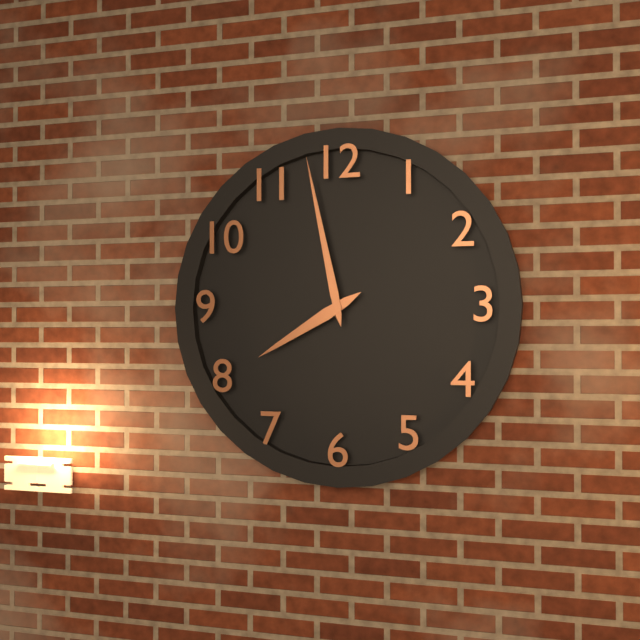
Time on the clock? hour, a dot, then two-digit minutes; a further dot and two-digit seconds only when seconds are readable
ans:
7.58
